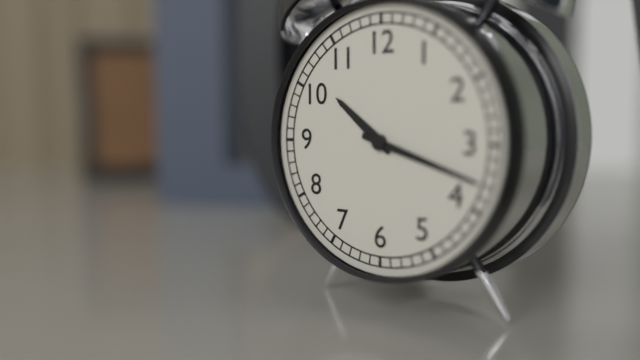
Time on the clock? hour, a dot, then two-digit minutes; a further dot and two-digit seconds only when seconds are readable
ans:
10.18
